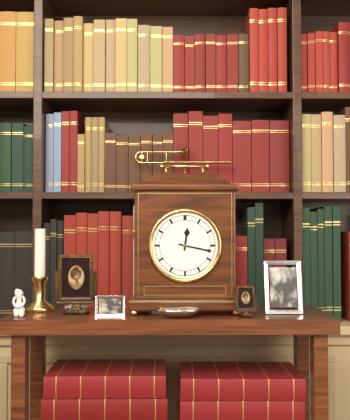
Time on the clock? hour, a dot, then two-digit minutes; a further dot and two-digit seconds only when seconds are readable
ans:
12.17
